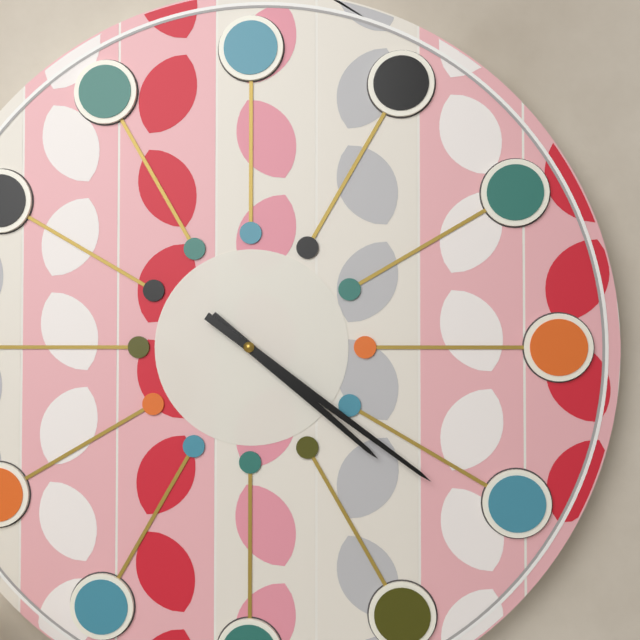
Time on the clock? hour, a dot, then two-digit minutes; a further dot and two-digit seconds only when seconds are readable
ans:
4.21
